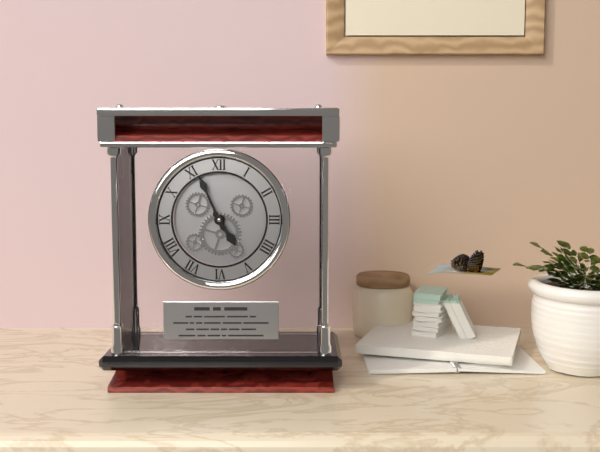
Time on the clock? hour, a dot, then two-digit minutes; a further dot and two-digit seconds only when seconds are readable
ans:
4.56
